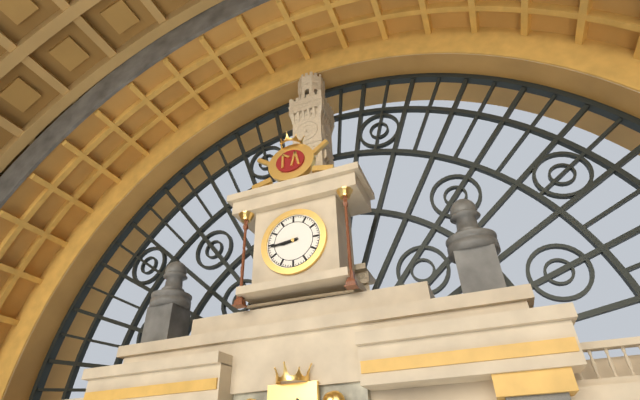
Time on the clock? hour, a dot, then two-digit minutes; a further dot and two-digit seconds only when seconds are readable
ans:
8.44
